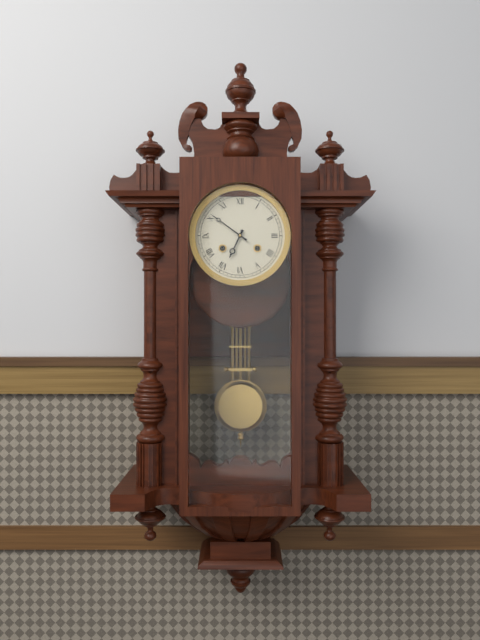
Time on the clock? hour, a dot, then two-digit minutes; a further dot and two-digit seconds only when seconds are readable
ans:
6.51
